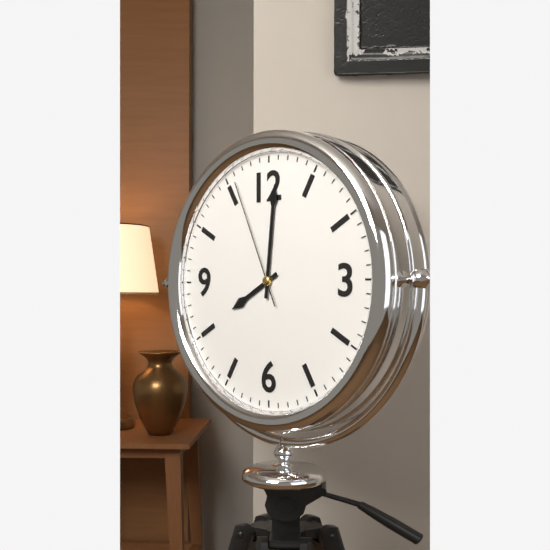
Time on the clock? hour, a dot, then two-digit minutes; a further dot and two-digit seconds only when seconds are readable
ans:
8.01.56
